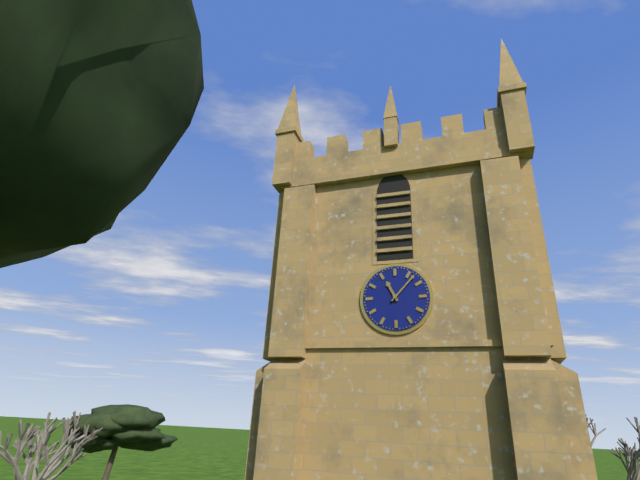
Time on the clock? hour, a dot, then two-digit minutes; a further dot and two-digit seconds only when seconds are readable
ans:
11.07
